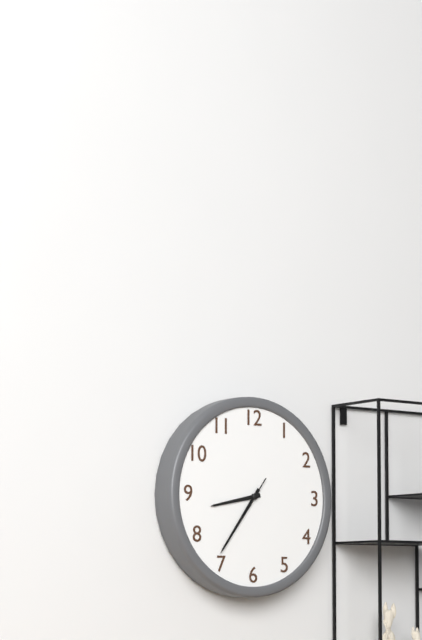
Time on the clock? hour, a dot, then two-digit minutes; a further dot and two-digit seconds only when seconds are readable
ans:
8.36.36
